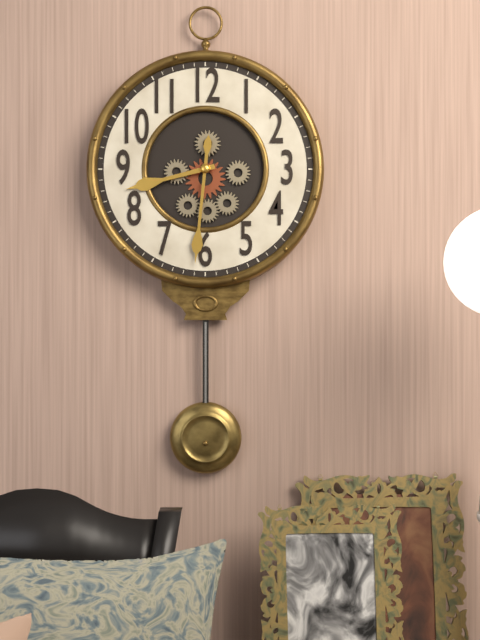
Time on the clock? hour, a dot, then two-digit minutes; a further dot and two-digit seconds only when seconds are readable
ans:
8.31
